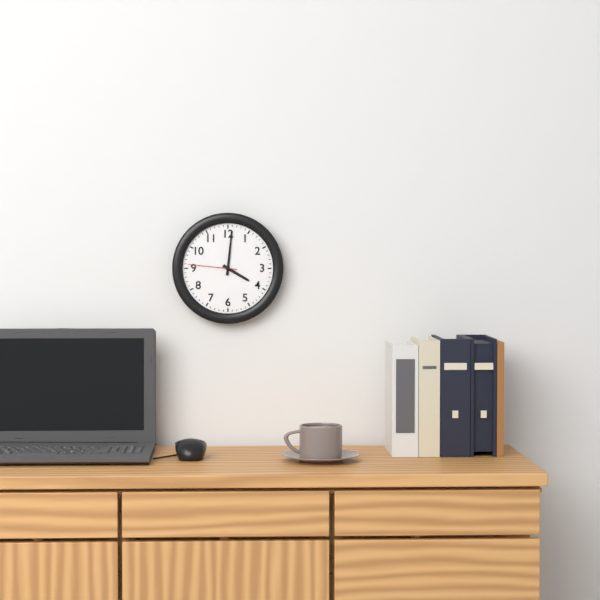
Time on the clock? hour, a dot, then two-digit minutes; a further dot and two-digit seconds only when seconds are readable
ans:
4.01.46
